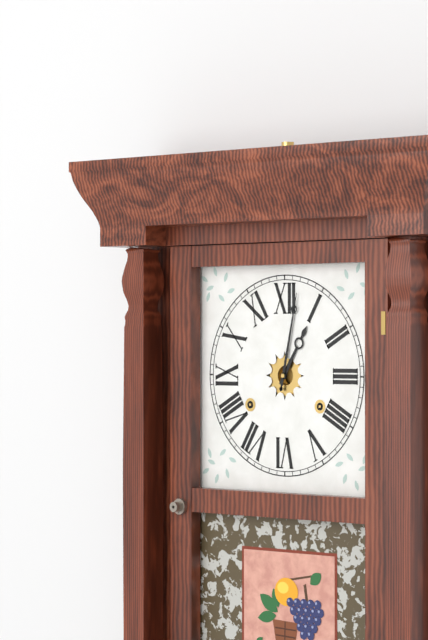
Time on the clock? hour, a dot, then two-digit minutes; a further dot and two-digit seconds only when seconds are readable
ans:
1.02
